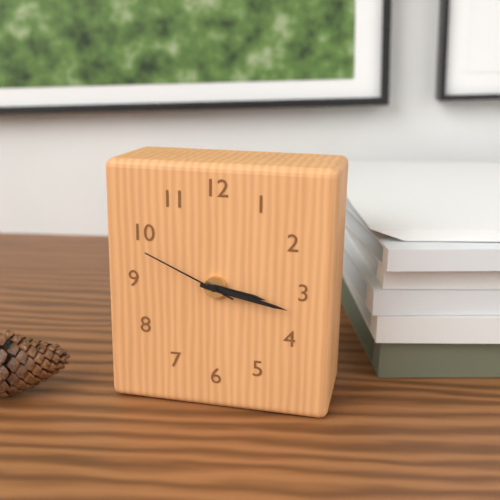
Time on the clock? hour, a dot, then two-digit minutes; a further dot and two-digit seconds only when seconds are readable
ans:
3.17.49
